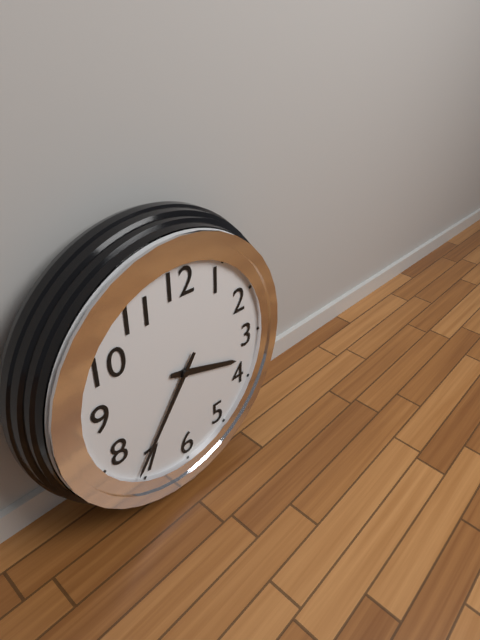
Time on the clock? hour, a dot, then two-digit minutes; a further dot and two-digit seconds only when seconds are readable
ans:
3.36
